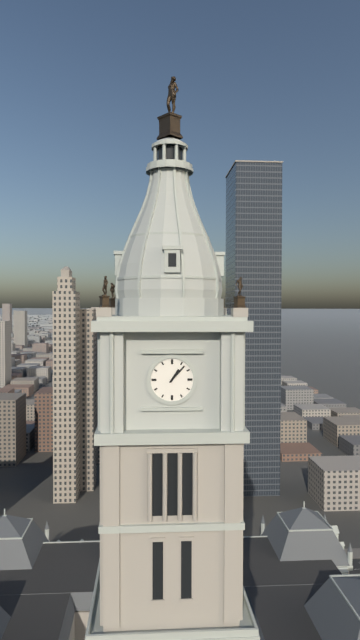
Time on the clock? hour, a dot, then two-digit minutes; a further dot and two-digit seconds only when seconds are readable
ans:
1.07
